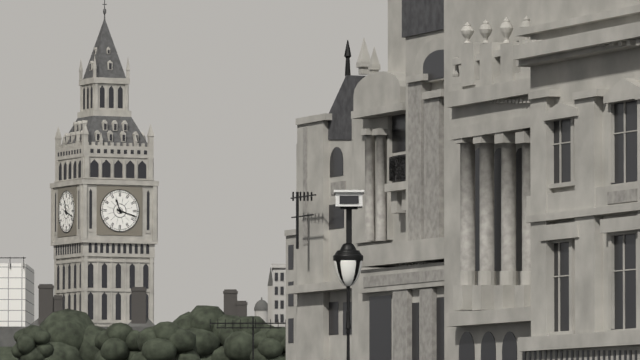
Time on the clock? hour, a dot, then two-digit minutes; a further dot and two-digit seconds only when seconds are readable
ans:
11.18
